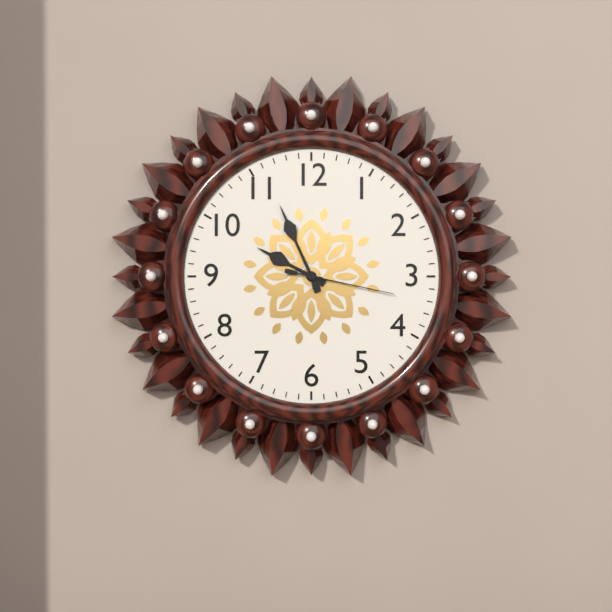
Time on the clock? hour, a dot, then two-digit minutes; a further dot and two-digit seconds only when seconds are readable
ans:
9.56.17
